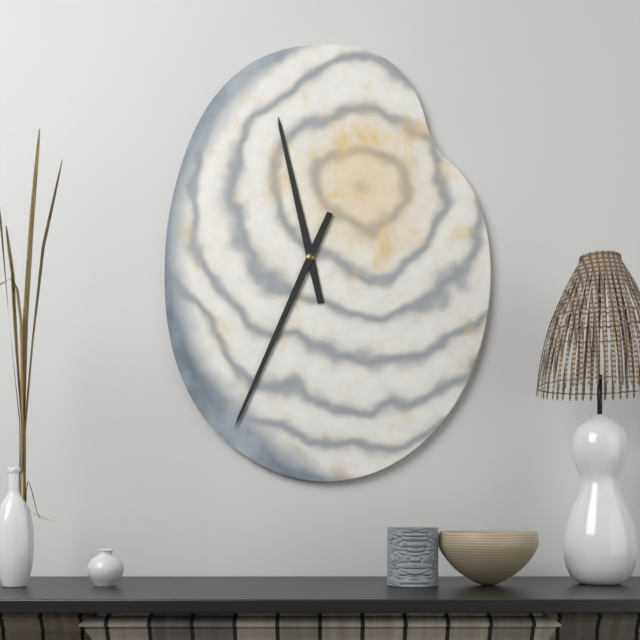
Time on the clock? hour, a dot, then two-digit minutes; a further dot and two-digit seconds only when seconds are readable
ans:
11.34
